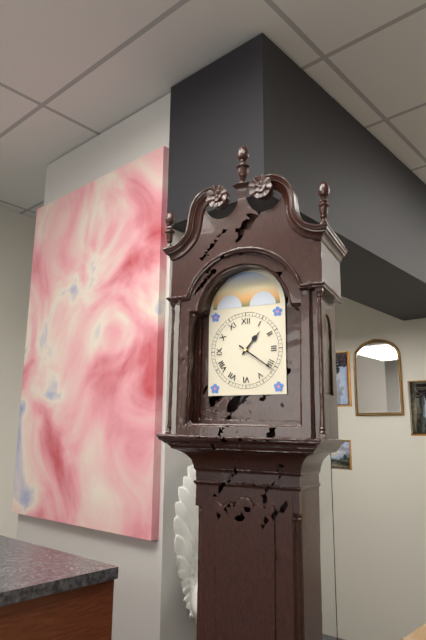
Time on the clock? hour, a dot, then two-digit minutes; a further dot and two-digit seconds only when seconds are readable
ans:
1.21
